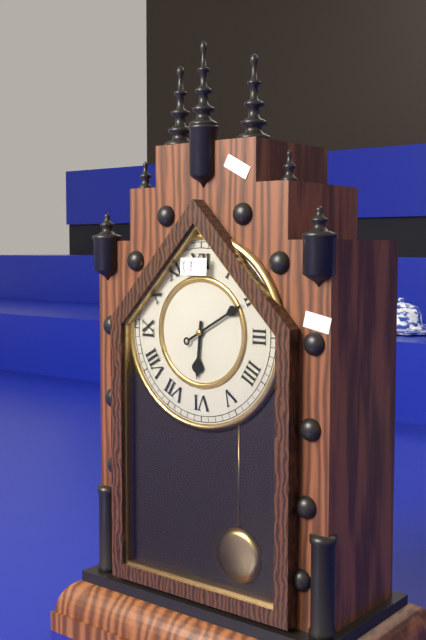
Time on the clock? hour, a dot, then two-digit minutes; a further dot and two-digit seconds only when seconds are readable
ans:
6.10
